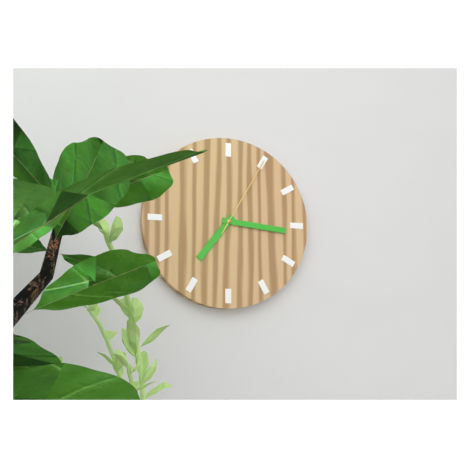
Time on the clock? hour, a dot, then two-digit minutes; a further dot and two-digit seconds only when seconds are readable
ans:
7.16.05
